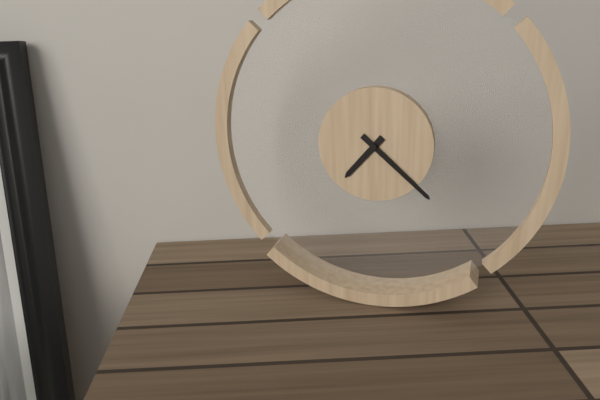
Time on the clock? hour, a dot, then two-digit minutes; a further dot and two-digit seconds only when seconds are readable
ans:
7.22
